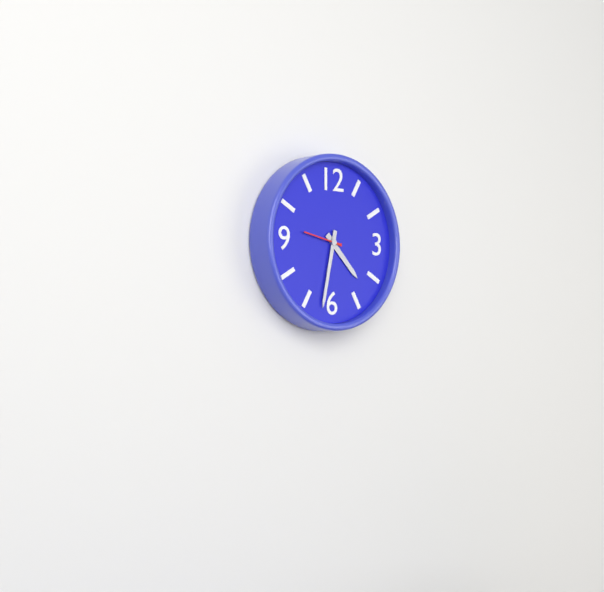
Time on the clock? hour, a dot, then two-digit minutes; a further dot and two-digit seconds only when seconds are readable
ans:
4.32
